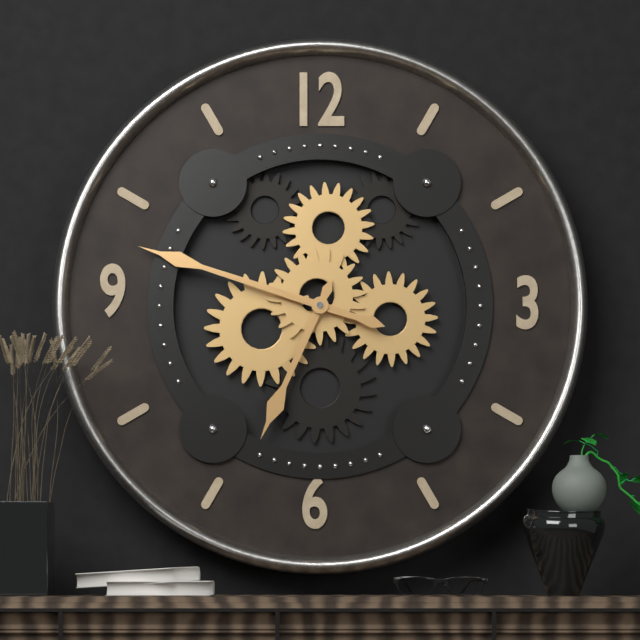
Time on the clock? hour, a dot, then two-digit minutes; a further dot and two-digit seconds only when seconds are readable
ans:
6.48
